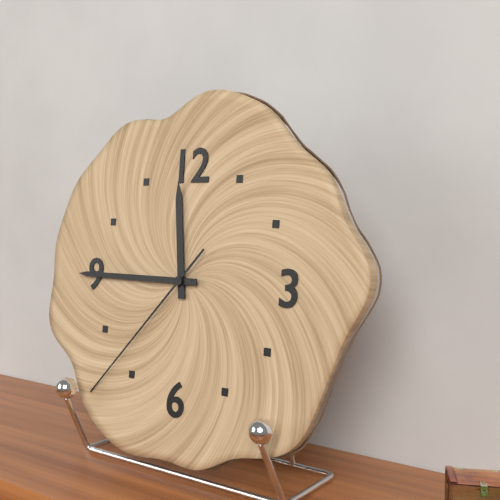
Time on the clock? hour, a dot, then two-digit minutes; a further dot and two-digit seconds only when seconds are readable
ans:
11.45.37
